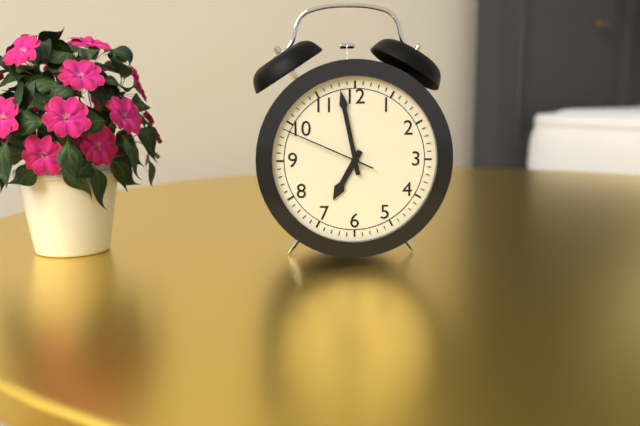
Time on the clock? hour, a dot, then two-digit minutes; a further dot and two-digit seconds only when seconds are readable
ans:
6.58.49
